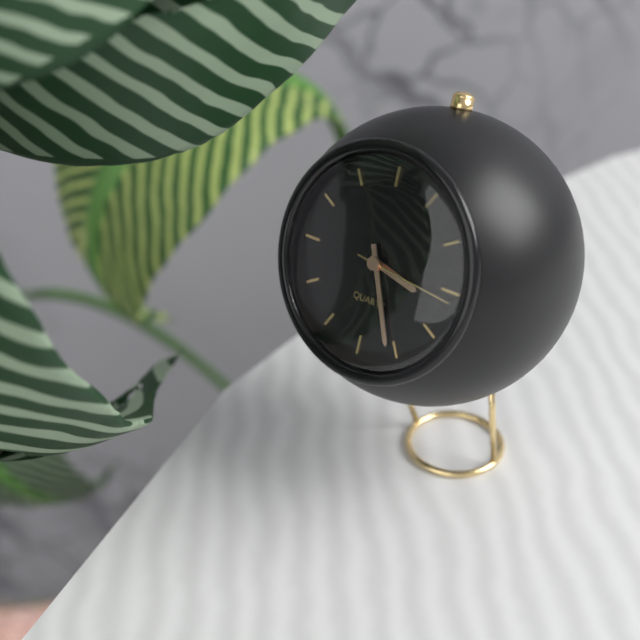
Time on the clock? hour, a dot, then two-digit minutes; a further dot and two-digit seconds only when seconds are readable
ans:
3.26.16
